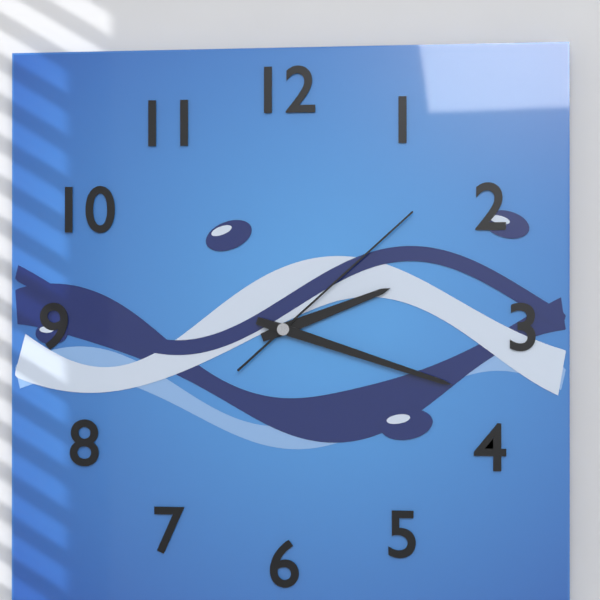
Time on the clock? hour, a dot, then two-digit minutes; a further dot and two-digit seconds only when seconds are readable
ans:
2.18.08
